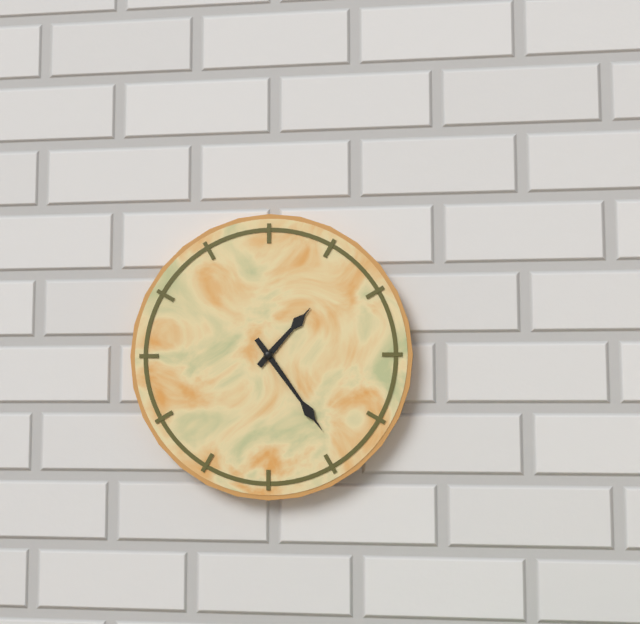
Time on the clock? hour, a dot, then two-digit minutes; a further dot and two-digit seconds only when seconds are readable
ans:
1.24
